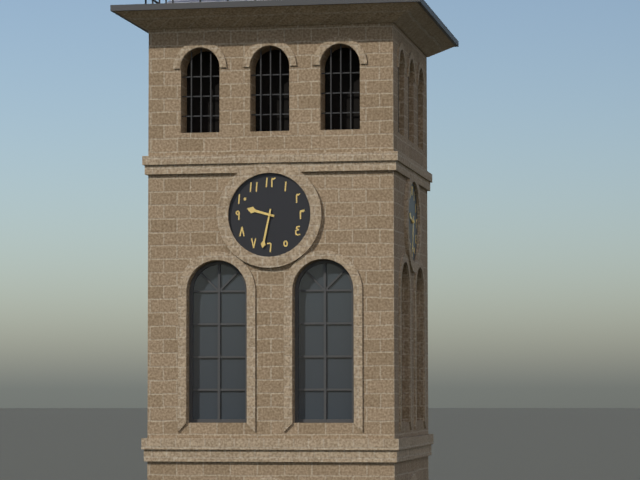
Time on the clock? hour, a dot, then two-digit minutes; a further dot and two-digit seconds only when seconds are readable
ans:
9.32
